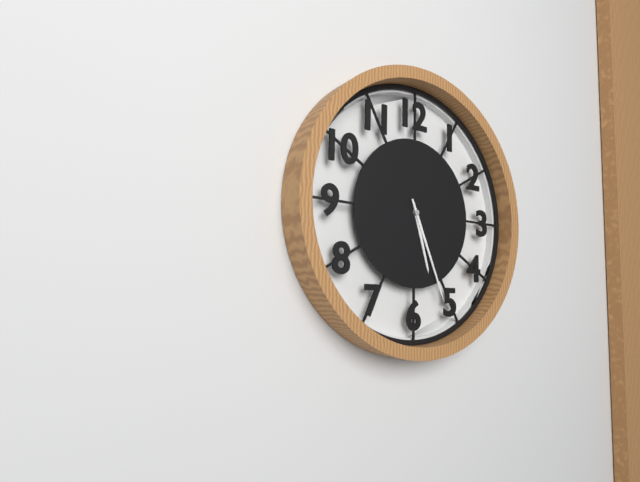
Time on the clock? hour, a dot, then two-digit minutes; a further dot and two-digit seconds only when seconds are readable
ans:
5.26
